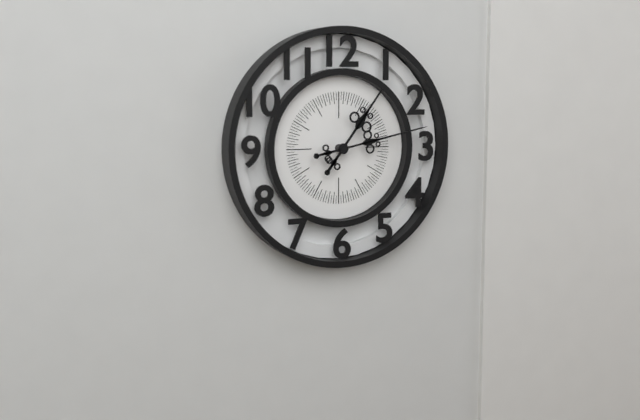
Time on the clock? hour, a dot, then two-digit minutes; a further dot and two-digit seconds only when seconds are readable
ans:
1.13
